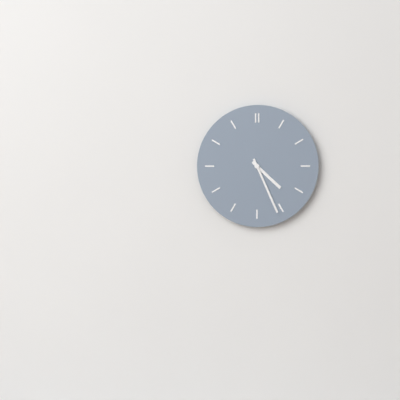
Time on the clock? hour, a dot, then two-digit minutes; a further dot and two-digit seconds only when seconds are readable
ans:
4.26
